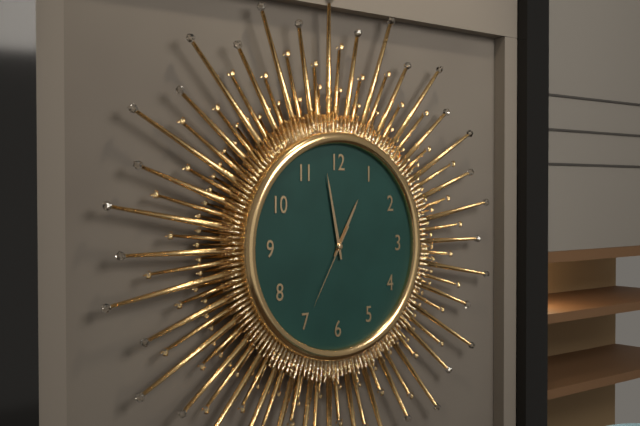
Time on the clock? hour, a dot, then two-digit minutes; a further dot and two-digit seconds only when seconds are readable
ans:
12.58.35
